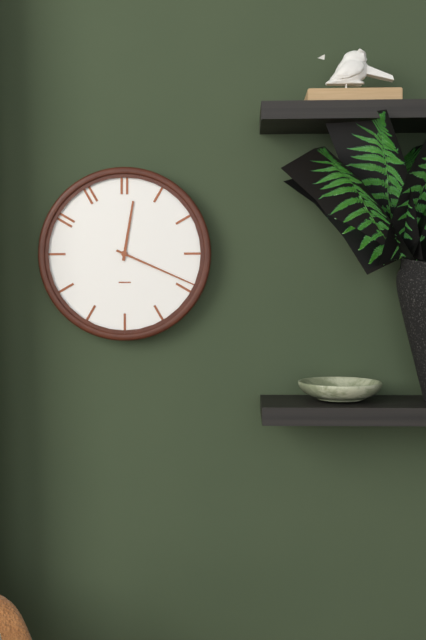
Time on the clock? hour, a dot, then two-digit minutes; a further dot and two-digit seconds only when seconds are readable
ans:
12.19
